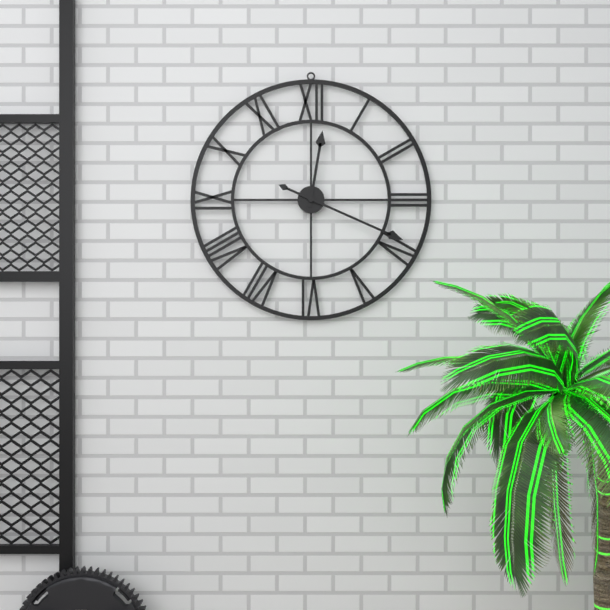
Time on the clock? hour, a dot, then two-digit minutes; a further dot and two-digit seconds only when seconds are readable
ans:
12.19
